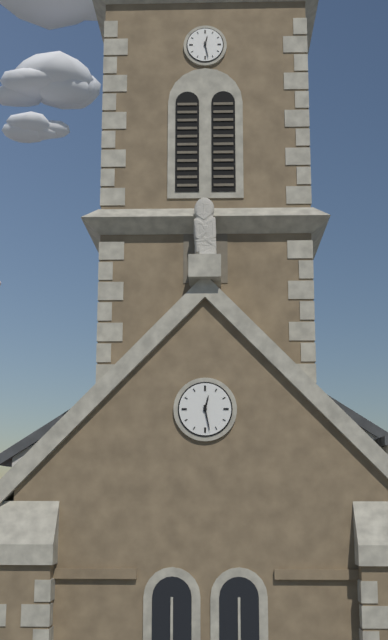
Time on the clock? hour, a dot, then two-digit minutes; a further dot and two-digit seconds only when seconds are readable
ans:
12.28
